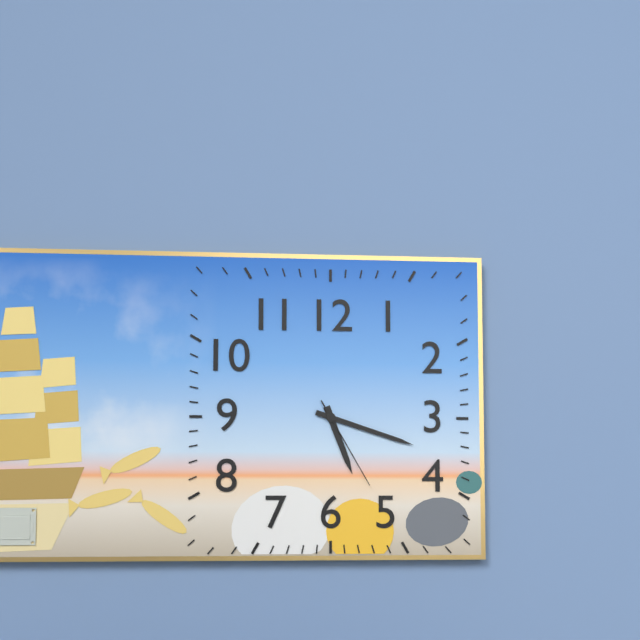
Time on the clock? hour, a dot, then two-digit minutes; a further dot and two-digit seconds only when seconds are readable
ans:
5.18.25
